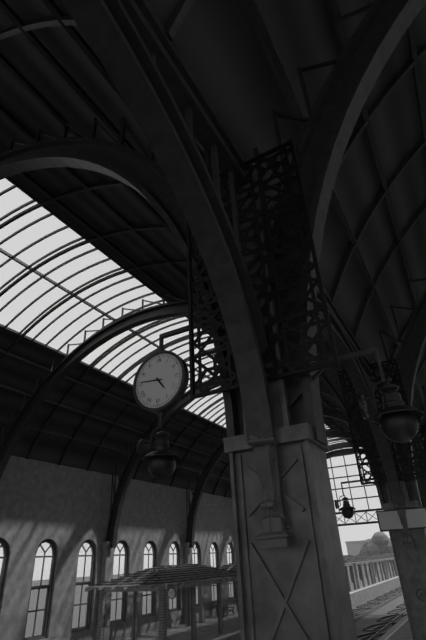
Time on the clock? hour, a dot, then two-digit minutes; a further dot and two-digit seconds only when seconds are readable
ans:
4.46
